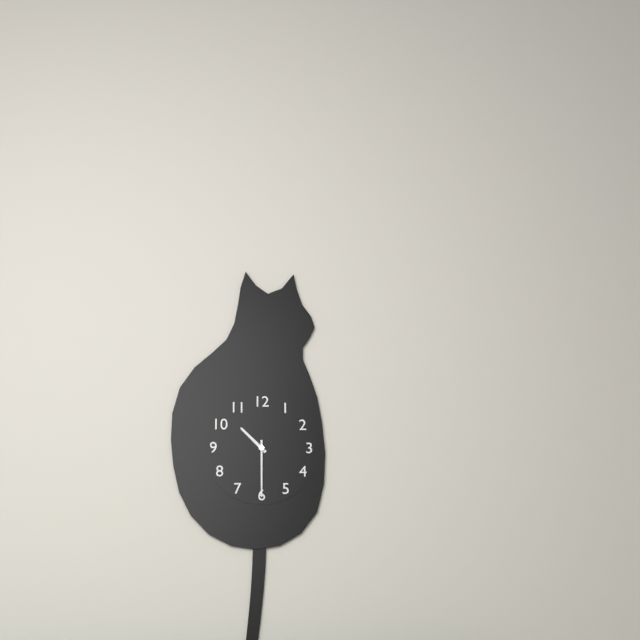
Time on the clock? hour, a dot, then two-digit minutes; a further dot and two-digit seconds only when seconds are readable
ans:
10.30
